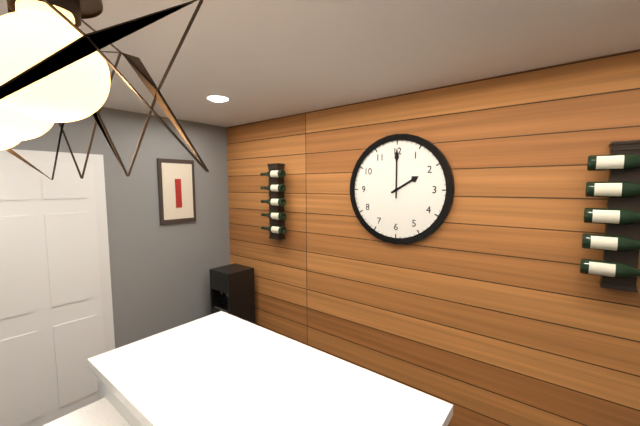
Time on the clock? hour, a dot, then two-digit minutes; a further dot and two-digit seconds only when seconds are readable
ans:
2.00
